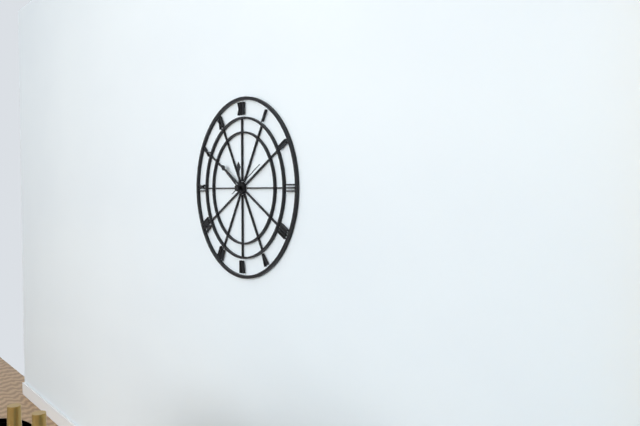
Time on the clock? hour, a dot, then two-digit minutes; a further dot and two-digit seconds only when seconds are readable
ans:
11.51
